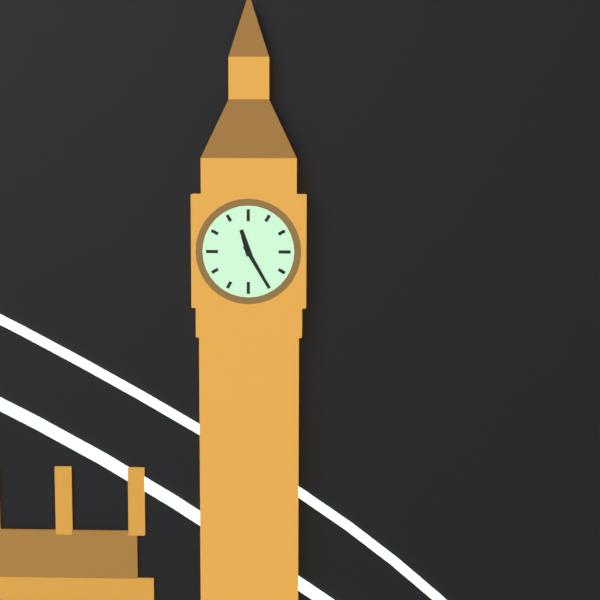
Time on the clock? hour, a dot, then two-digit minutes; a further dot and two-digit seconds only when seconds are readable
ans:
11.25
